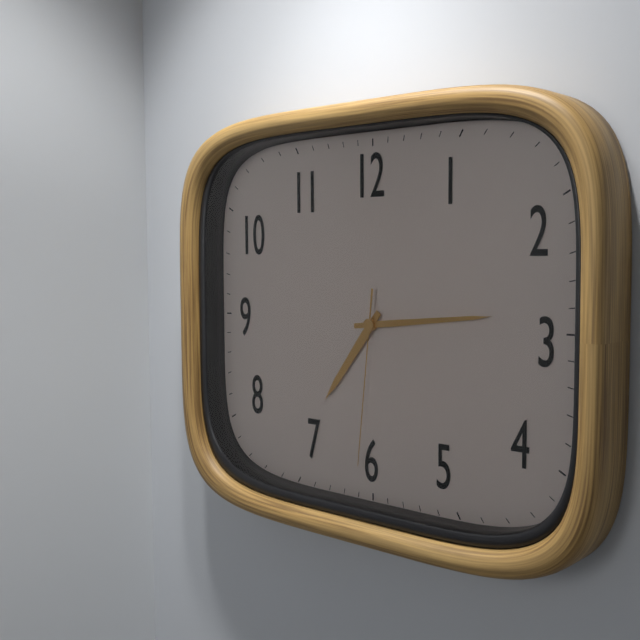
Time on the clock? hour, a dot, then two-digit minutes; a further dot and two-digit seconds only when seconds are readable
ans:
7.14.31
